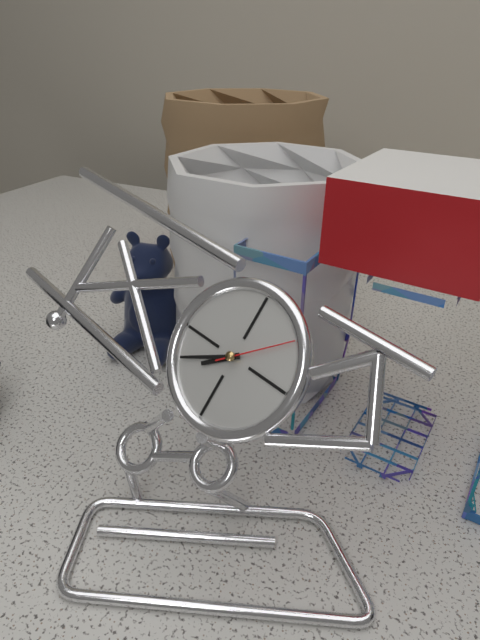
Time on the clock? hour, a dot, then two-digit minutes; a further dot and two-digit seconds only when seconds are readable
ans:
7.40.08
